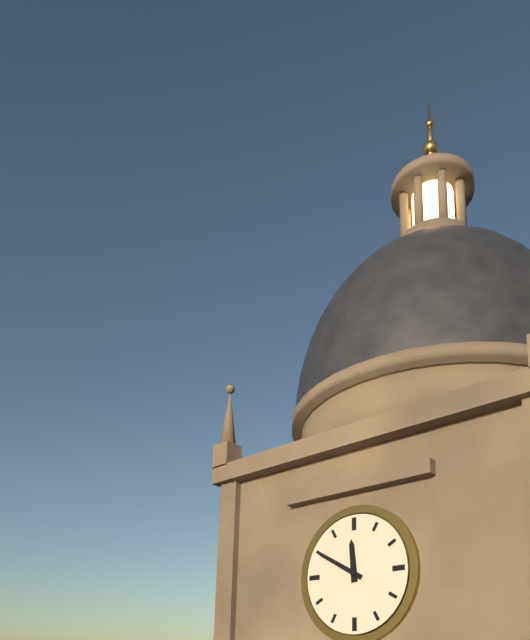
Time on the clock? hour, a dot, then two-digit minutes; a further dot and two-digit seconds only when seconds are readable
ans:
11.50
